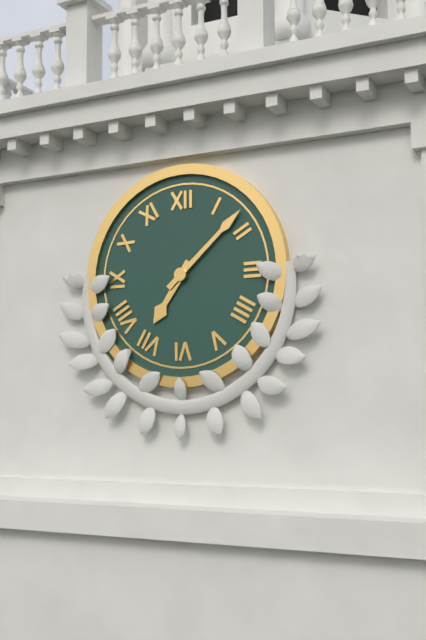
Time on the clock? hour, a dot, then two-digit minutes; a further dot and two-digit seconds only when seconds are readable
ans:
7.08
